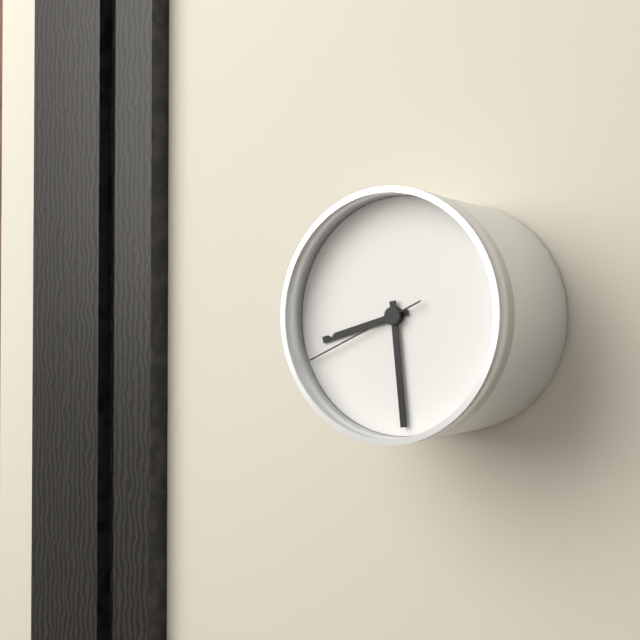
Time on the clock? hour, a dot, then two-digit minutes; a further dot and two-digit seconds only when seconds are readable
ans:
8.29.41
